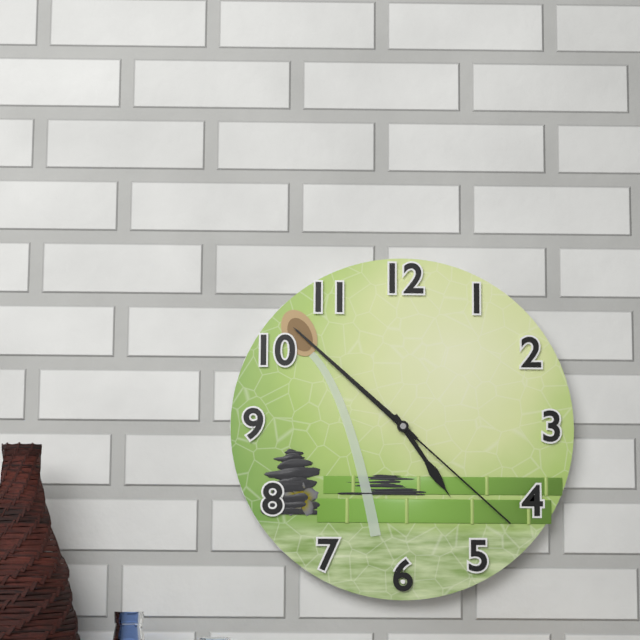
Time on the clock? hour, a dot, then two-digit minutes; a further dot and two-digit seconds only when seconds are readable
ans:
4.52.22
